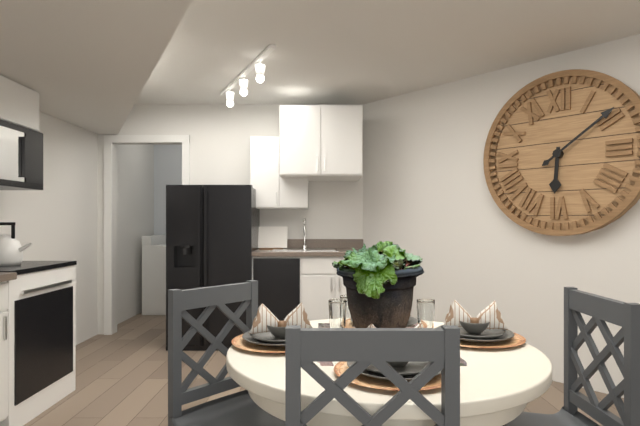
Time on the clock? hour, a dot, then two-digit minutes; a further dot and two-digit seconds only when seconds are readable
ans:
6.09
